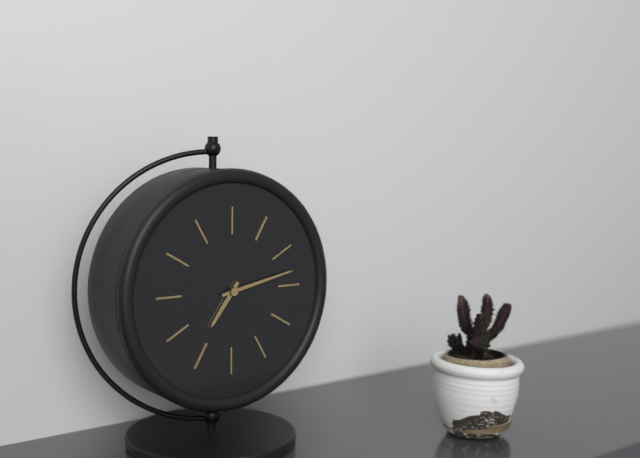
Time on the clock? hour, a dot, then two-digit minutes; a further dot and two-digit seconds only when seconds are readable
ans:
7.13
